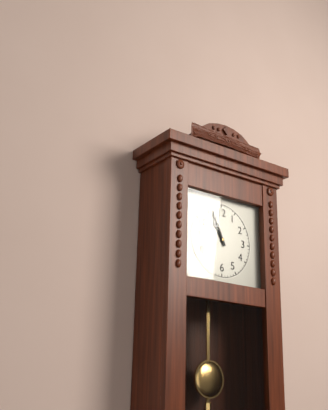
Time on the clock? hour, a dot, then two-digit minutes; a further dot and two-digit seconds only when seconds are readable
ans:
10.56
